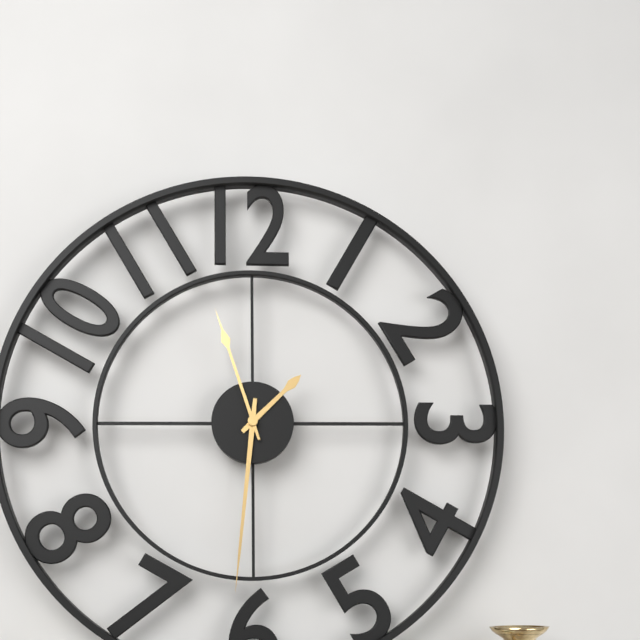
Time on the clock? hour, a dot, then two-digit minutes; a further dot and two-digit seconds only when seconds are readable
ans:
1.31.57
